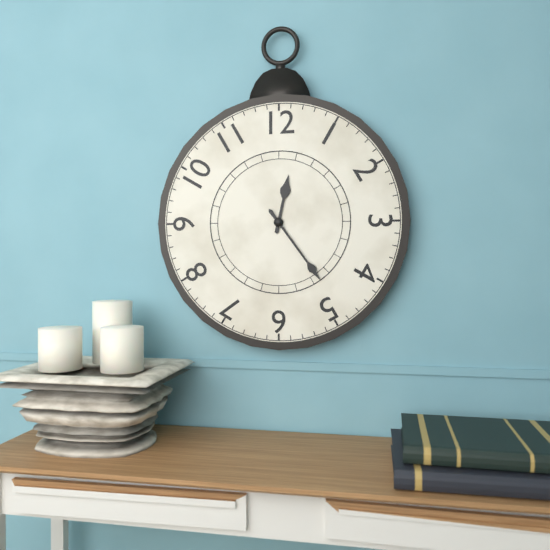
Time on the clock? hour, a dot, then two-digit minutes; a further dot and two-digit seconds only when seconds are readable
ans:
12.24
